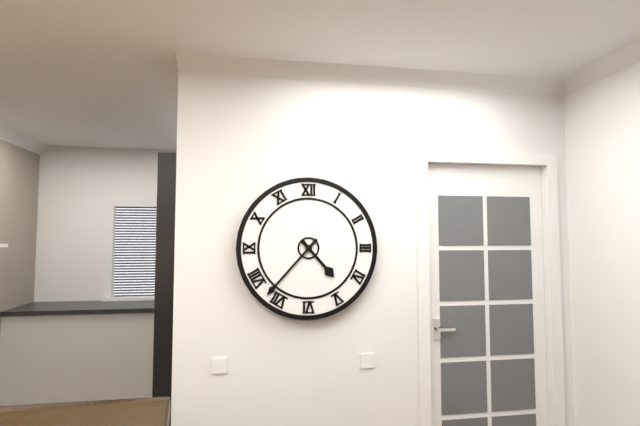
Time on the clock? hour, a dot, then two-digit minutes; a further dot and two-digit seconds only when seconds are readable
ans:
4.37
